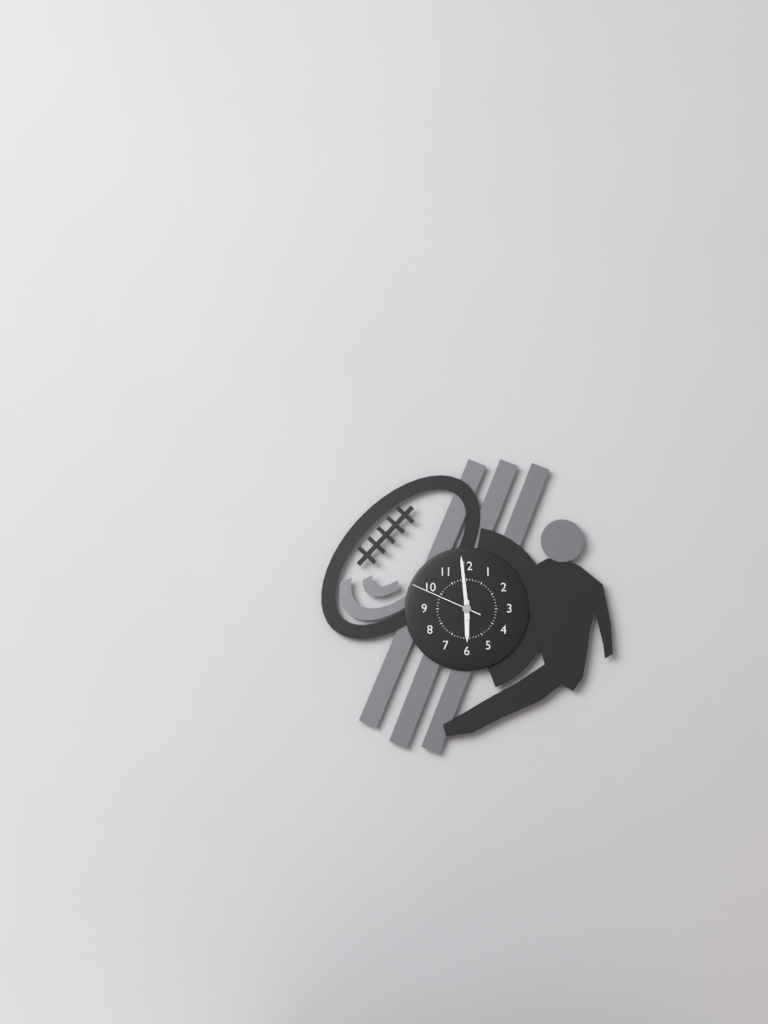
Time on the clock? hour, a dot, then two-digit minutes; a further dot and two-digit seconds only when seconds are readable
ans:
5.59.49
